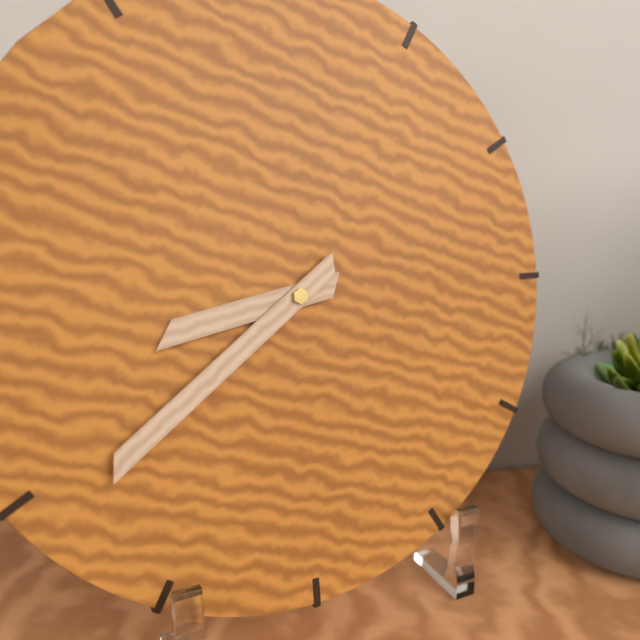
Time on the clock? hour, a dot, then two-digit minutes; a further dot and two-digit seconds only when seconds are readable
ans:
8.39
